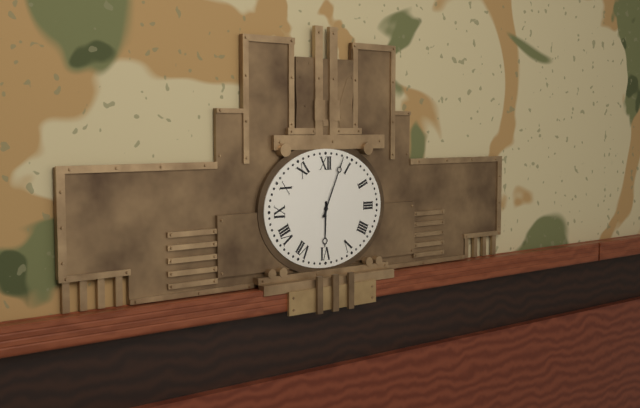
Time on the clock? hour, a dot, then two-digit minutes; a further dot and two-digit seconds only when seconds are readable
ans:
6.04
